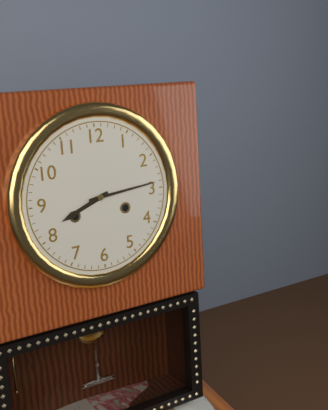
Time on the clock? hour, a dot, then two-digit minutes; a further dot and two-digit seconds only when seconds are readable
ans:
8.14
